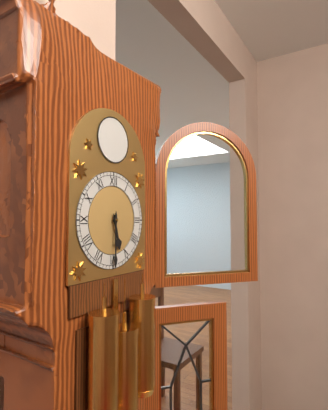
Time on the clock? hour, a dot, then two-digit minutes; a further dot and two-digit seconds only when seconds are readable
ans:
5.30
